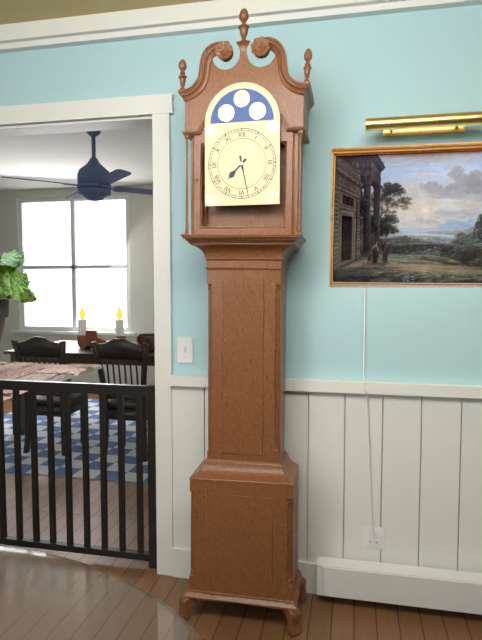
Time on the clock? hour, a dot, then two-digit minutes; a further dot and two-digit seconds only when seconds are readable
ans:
7.28
